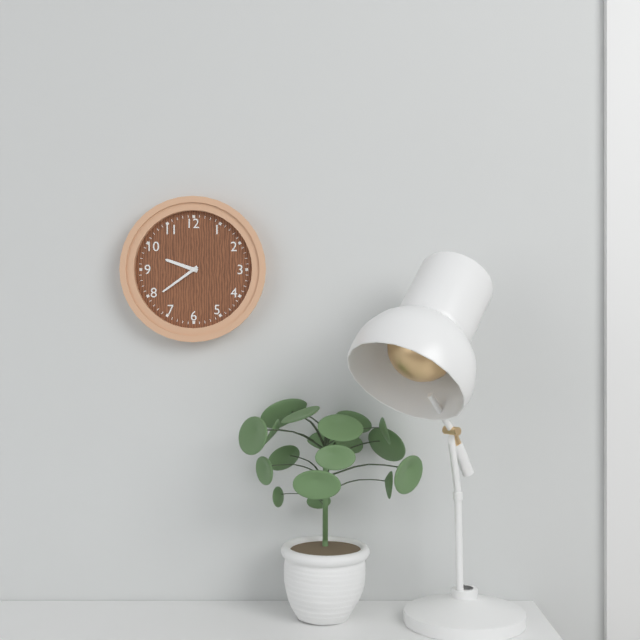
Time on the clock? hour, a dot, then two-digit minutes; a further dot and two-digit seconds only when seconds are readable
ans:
9.39
